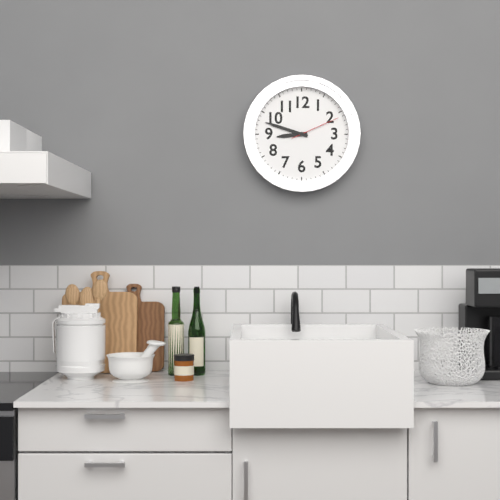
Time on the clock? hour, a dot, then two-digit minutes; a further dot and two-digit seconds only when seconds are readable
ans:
8.48.11
